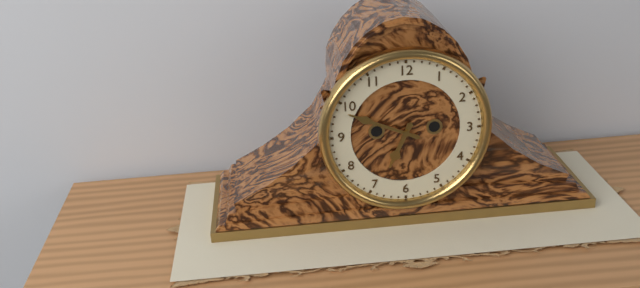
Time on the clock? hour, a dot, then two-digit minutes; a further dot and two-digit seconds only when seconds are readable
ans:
6.49
